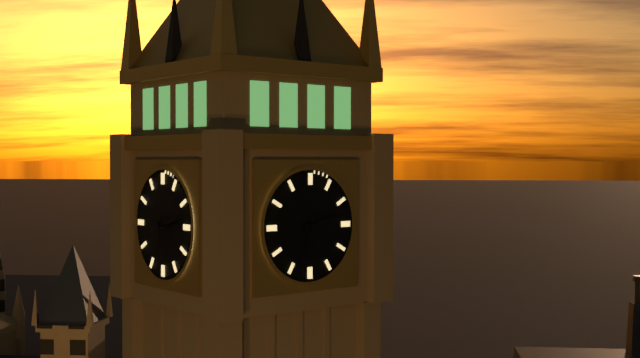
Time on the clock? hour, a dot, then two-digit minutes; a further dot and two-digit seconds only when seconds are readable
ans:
2.32
